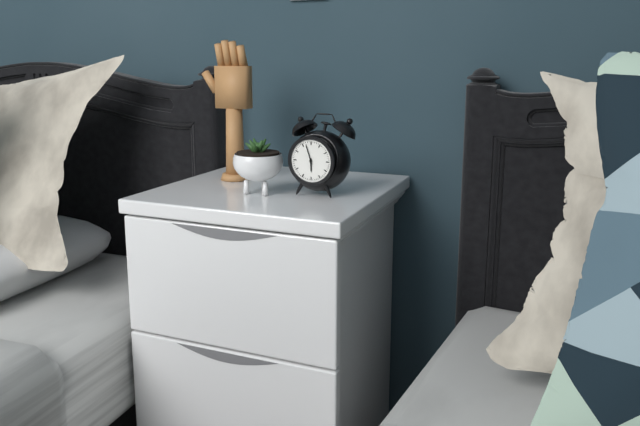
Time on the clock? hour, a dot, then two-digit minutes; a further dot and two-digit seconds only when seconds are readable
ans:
5.57
